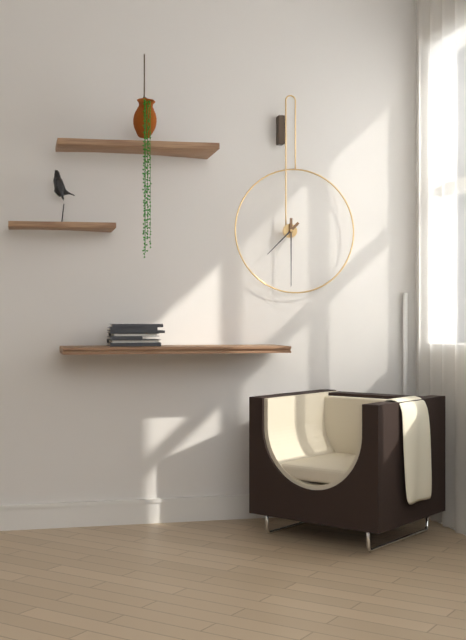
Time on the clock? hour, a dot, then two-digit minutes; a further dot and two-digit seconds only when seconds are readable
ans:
7.30
